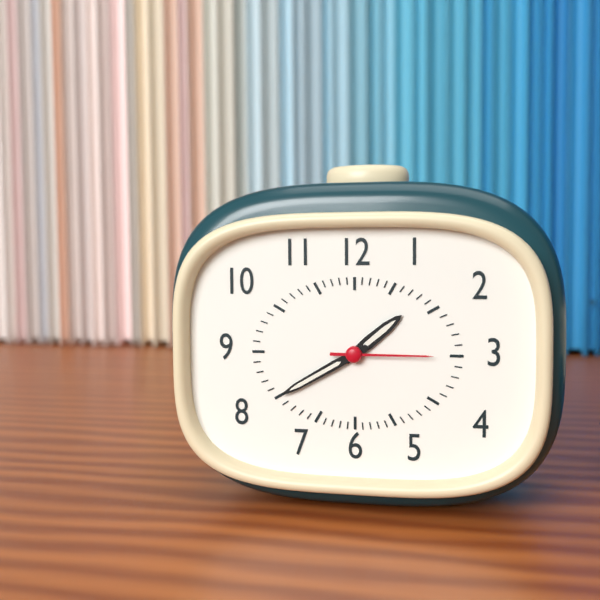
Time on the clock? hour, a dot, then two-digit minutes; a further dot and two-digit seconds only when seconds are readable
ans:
1.40.15
